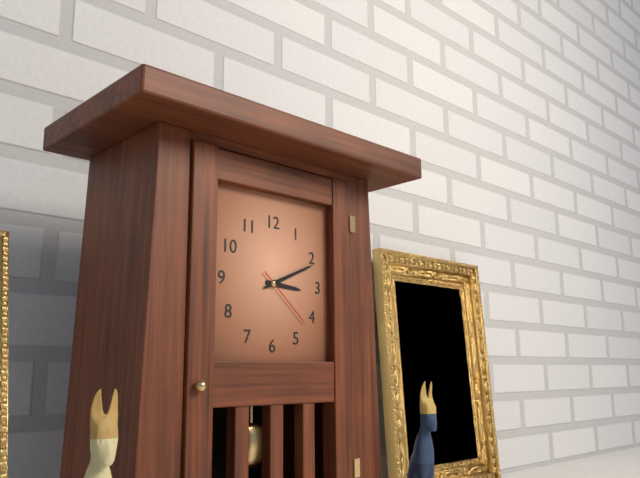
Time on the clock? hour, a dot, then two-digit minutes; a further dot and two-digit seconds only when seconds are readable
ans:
3.11.22
